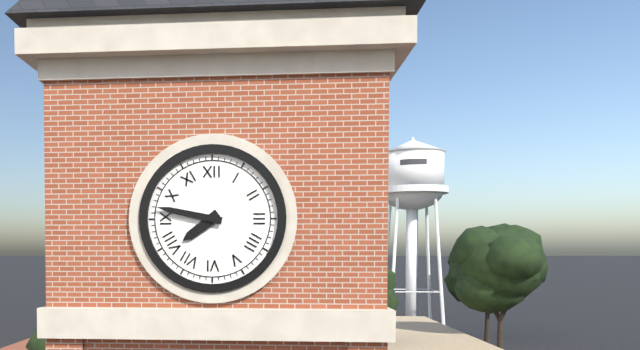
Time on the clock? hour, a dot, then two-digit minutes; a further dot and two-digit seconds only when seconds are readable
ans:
7.47
